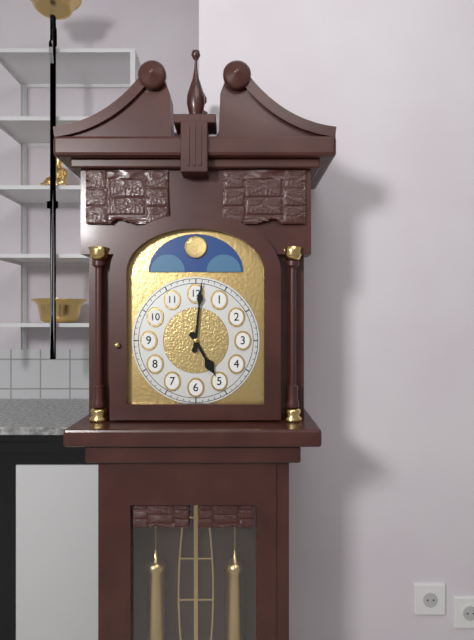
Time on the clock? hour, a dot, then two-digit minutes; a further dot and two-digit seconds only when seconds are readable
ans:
5.01
